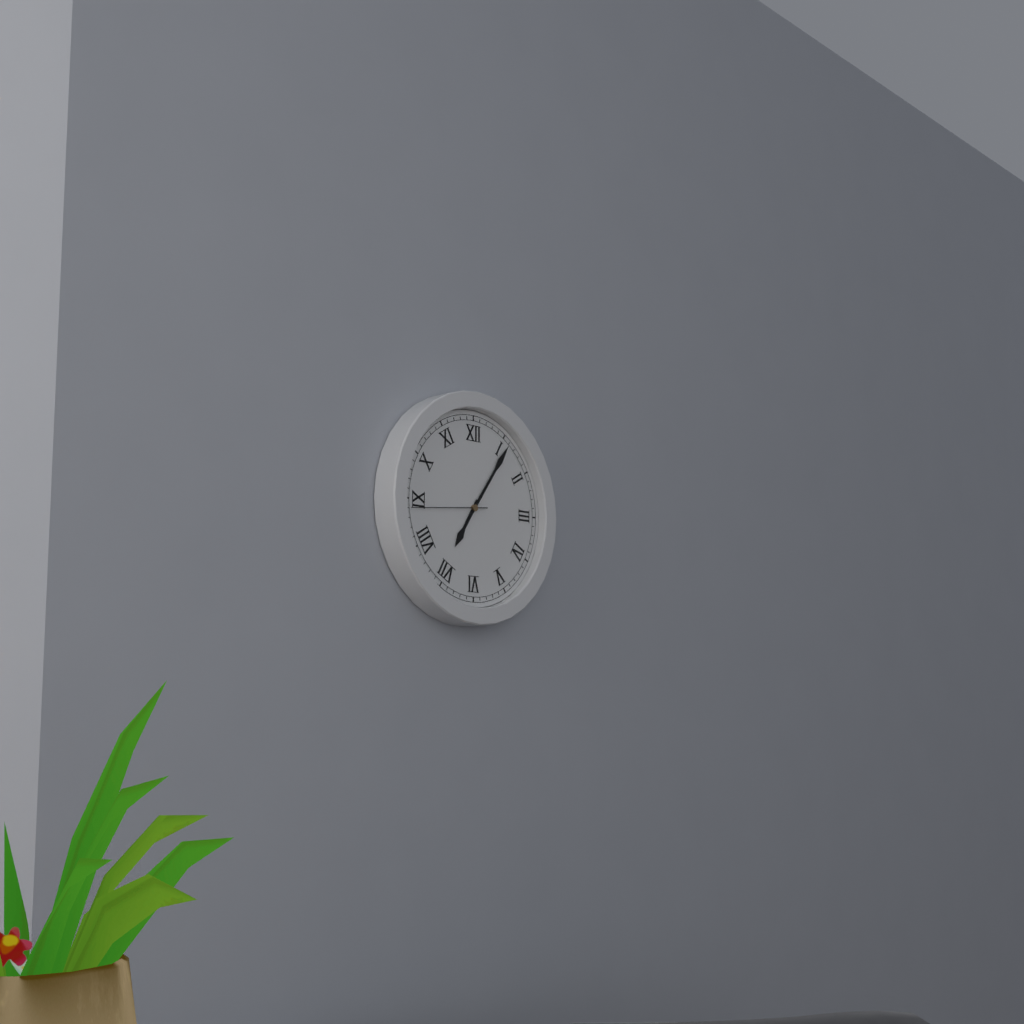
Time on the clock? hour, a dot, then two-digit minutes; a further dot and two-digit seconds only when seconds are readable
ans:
7.06.44
